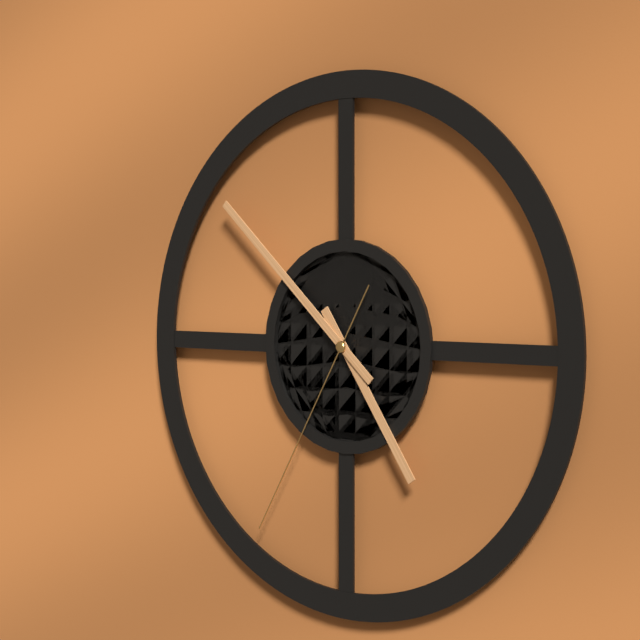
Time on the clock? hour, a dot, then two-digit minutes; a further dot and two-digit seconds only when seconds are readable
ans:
4.52.35
